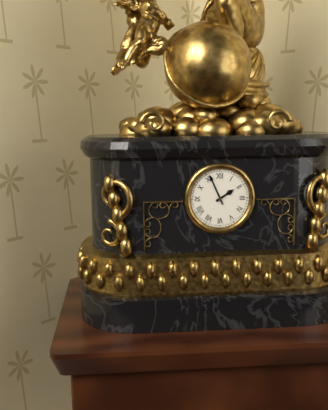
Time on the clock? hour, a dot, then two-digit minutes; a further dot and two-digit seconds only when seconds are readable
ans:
1.56
